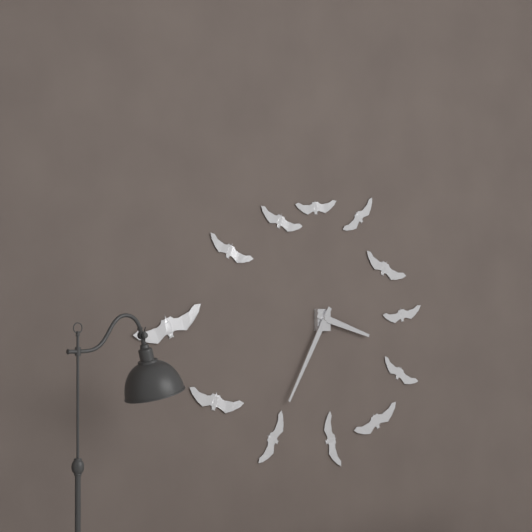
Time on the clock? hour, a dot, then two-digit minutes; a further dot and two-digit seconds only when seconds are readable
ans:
3.35
